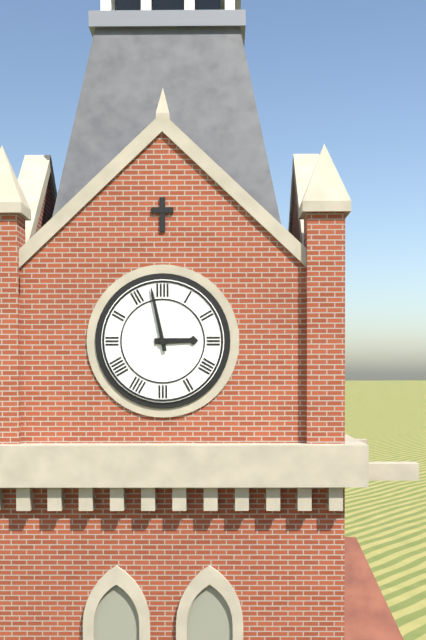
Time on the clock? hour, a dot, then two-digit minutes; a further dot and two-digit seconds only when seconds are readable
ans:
2.58
